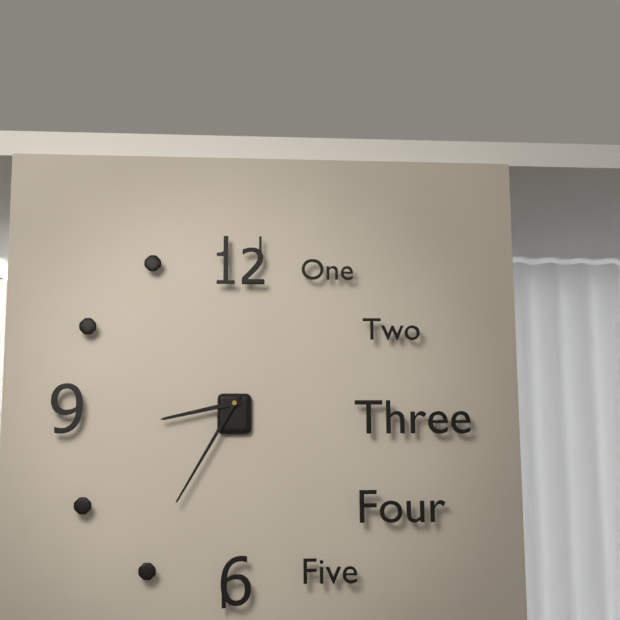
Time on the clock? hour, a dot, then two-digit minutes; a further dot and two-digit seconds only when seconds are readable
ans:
8.35
